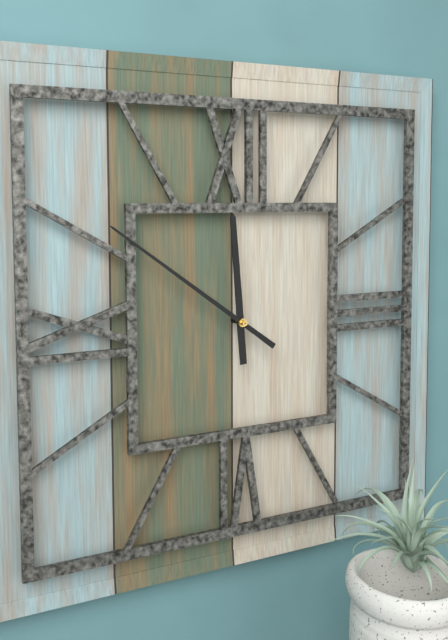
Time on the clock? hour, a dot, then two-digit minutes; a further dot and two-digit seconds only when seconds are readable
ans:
11.51
